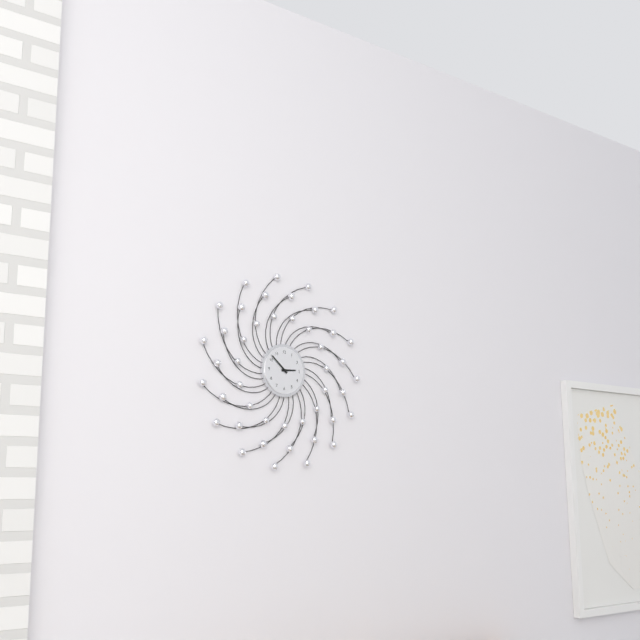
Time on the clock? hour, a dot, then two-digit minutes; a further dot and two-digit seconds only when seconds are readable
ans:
2.52
